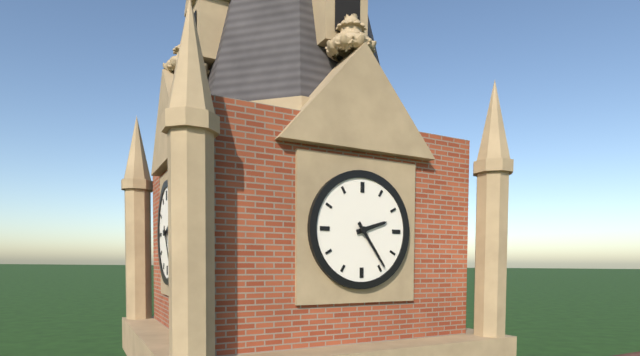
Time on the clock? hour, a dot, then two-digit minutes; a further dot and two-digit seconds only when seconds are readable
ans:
2.24
